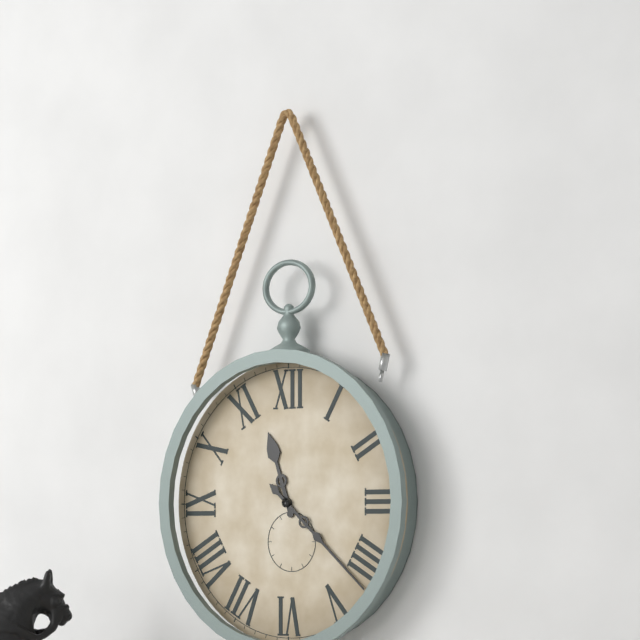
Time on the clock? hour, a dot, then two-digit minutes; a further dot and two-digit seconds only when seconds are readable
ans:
11.22
